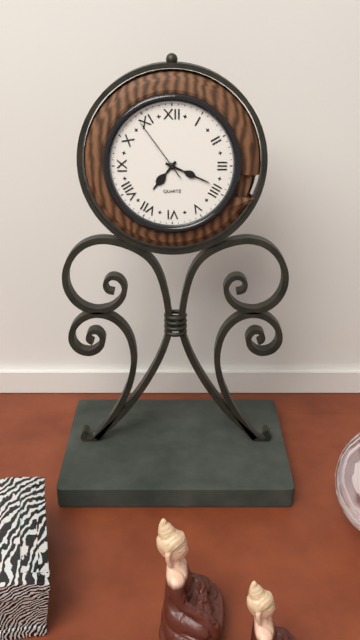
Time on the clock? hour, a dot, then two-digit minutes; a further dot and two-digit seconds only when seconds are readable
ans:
7.19.54
